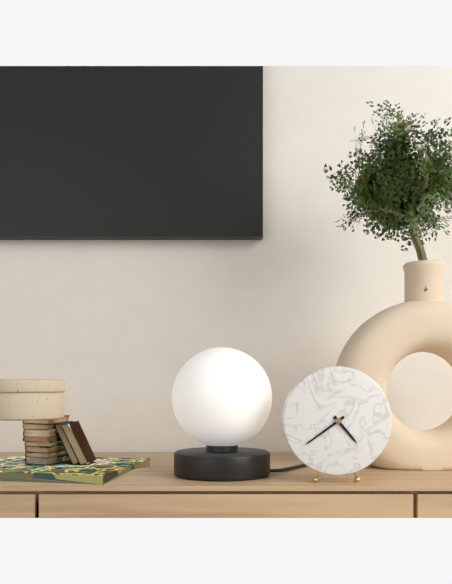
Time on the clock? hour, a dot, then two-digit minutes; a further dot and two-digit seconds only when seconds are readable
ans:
4.39
